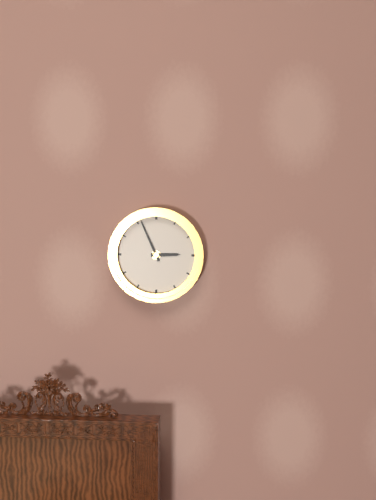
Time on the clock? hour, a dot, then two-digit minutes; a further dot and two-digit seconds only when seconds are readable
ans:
2.56
